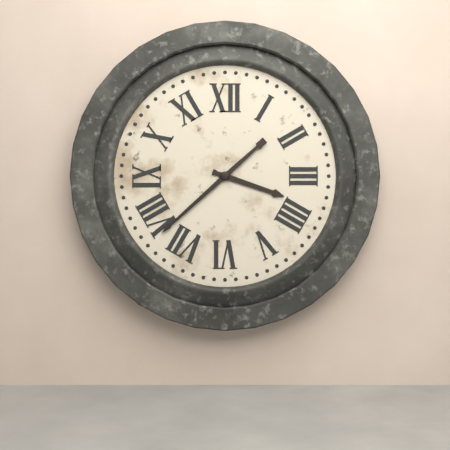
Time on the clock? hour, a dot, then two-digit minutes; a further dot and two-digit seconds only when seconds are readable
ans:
3.38
